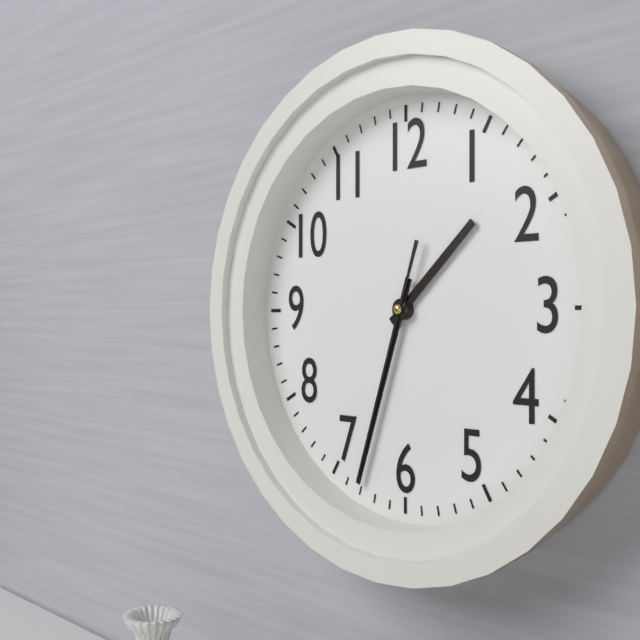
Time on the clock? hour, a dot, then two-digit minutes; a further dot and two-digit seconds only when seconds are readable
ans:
1.33.33
